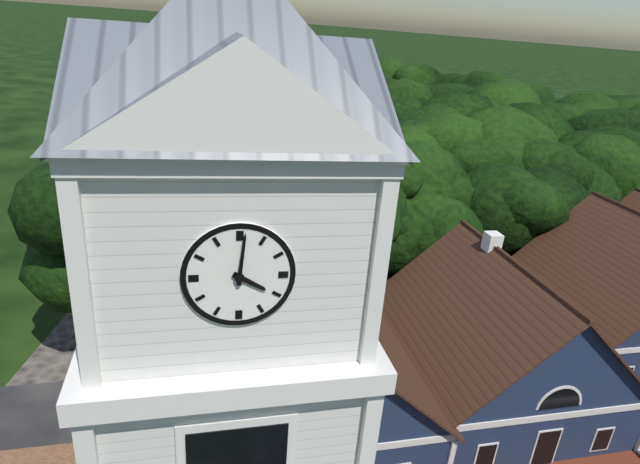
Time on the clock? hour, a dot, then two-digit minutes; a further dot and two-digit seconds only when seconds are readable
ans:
4.01
